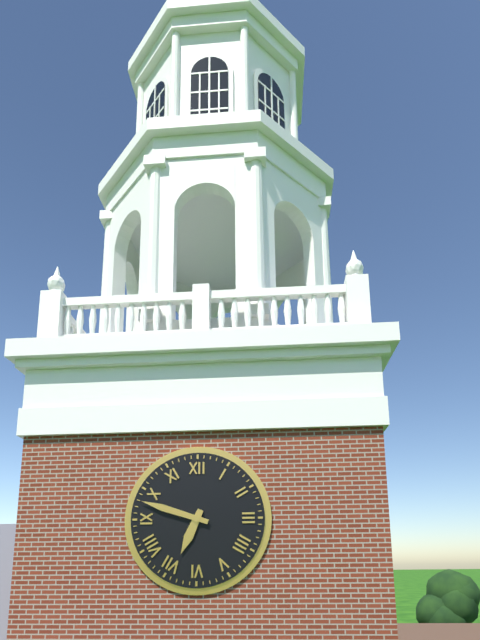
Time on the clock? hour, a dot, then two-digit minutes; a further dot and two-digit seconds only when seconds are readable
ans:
6.48
